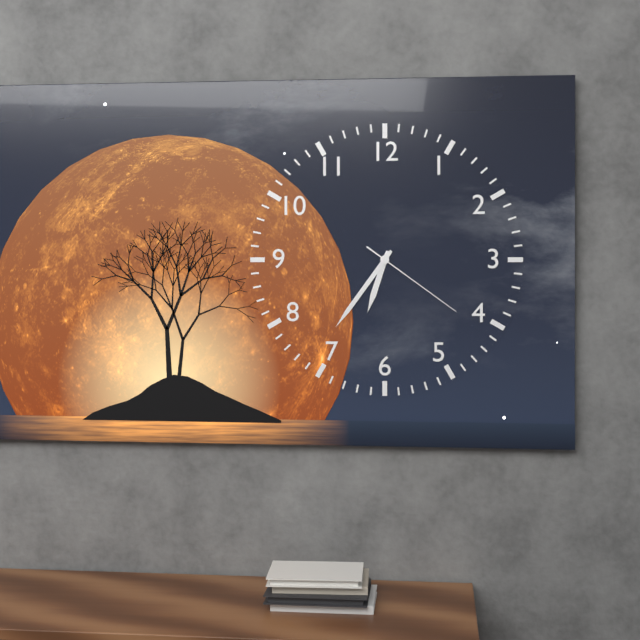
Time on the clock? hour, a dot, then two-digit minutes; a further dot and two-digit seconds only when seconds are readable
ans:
6.36.21
